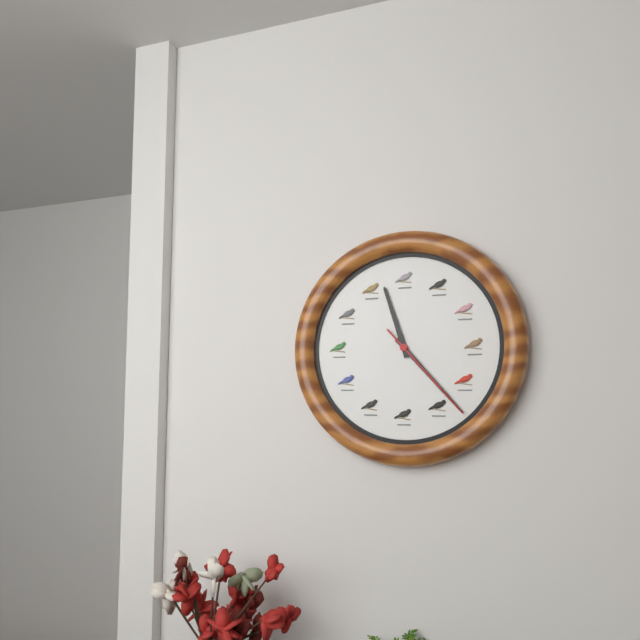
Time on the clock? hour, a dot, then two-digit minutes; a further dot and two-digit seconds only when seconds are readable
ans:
11.23.23
